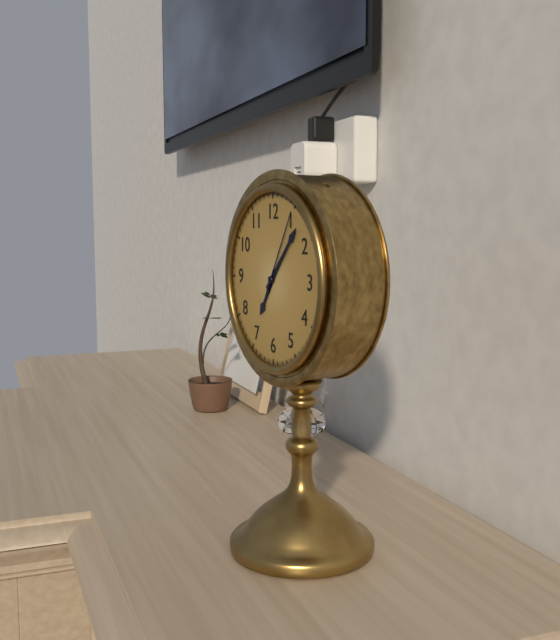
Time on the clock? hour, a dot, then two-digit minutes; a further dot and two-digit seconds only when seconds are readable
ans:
7.07.05
